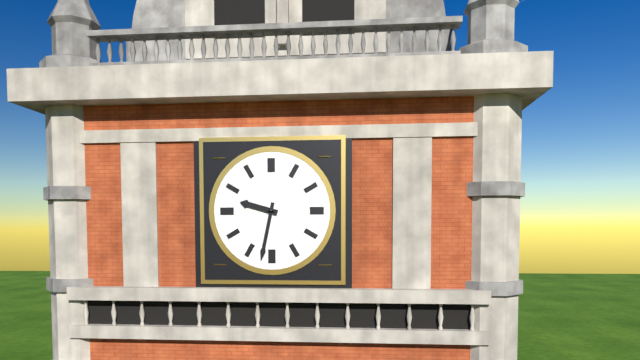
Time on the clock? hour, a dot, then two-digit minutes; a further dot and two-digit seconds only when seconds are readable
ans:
9.32
